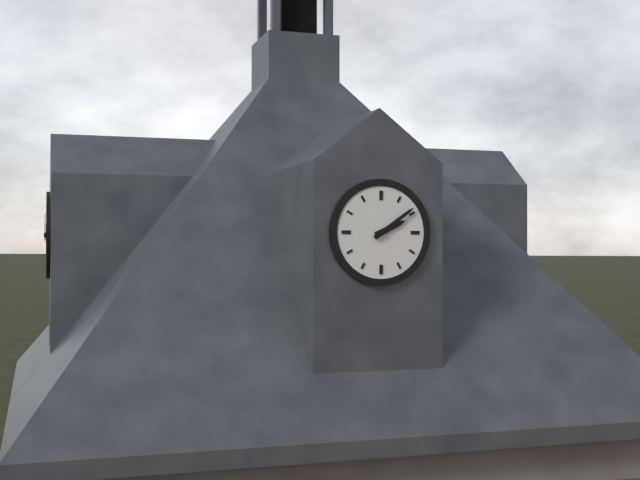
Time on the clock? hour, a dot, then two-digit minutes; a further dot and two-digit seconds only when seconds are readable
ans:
2.09
